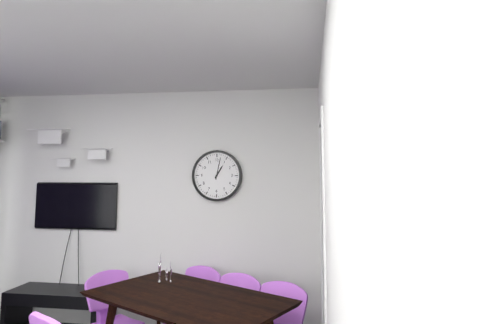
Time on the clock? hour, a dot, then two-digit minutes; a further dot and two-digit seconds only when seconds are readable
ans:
1.02
